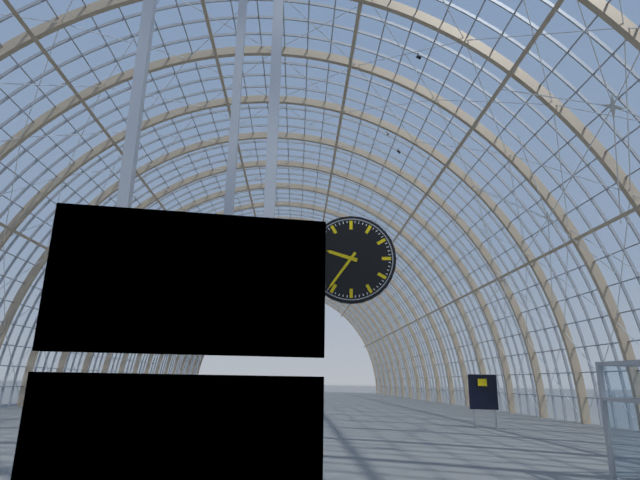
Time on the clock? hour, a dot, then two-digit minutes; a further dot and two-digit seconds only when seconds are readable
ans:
9.36
